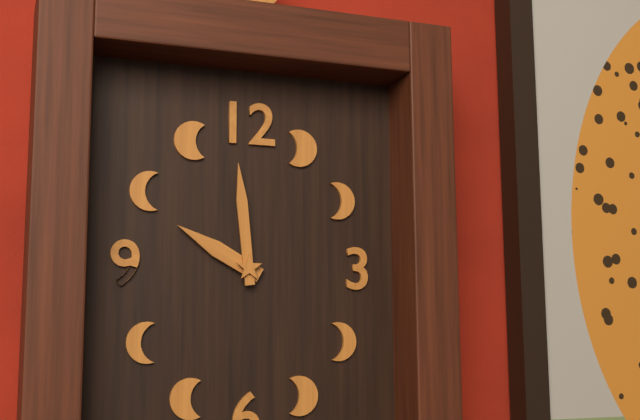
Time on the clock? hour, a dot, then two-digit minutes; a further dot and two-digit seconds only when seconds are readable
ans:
9.59
